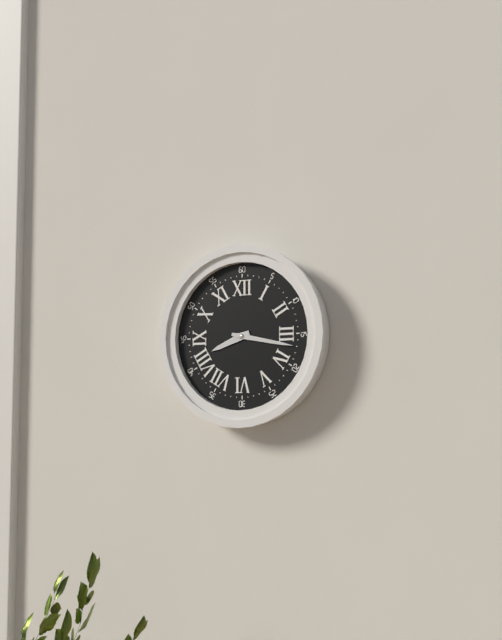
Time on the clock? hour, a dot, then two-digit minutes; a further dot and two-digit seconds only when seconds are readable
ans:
8.17
